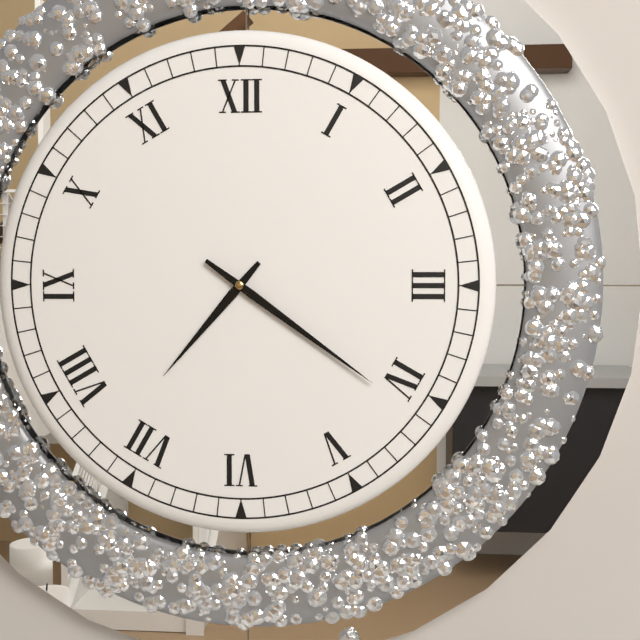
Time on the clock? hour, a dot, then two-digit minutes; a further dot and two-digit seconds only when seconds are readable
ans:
7.21
